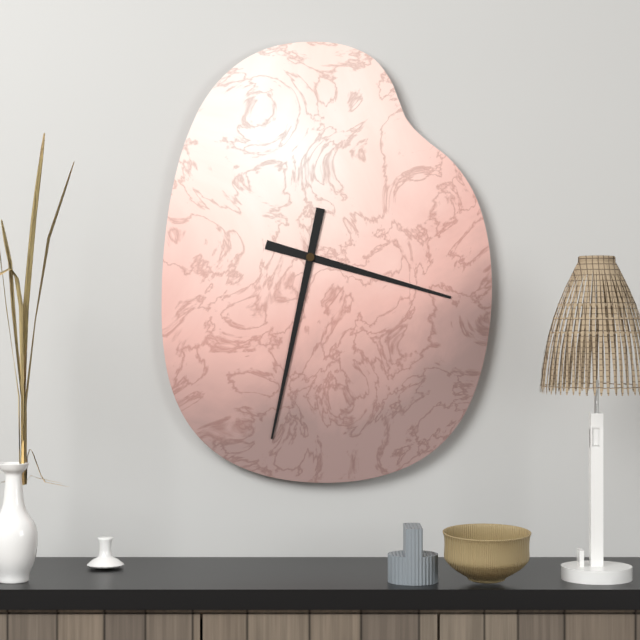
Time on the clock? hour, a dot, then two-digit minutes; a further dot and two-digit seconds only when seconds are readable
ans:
3.32
